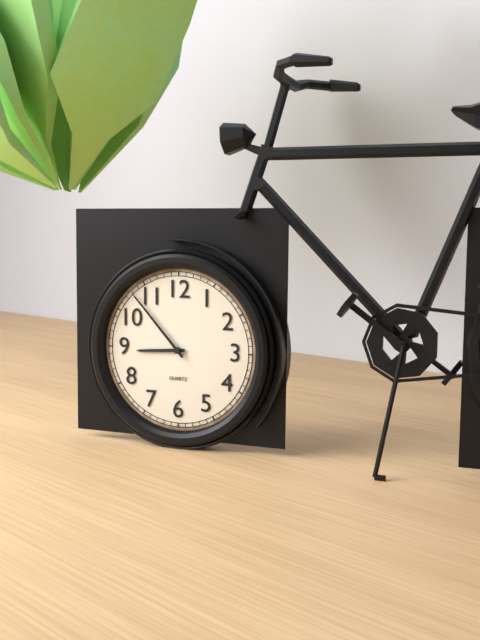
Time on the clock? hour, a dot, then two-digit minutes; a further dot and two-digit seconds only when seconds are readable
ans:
8.53
